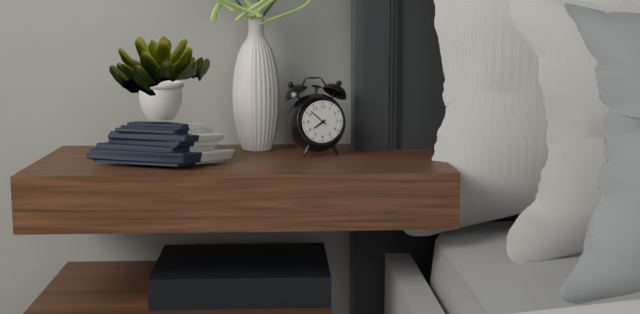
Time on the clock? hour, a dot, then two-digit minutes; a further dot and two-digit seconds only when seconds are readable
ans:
7.52
